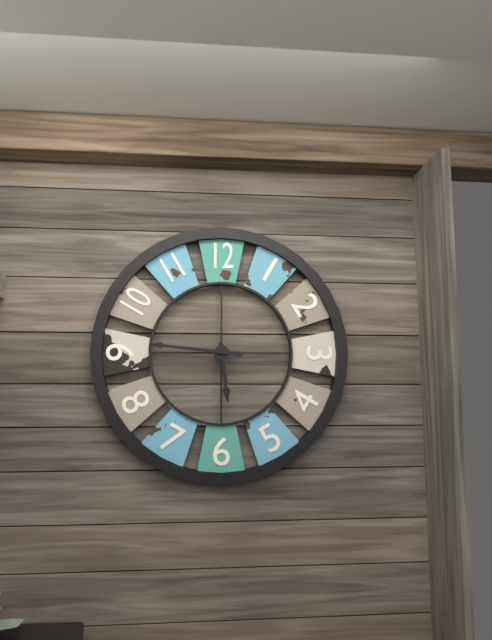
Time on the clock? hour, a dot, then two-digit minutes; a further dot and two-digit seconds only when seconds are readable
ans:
5.46
